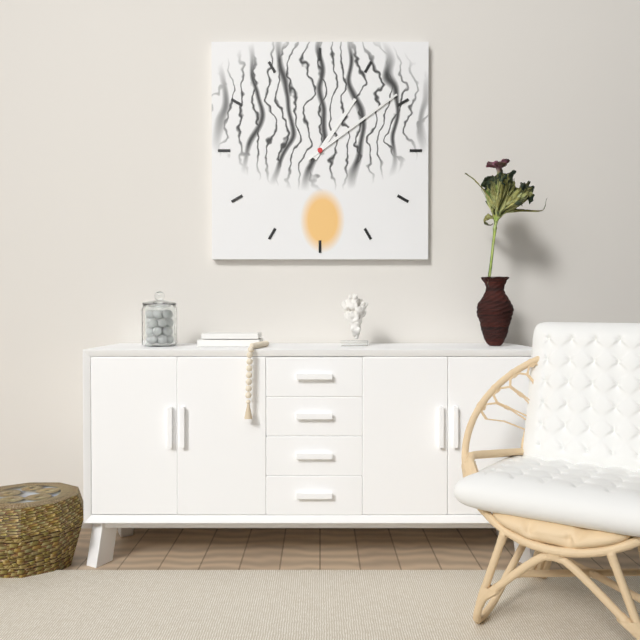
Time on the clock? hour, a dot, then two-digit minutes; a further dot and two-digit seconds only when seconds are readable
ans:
1.09
